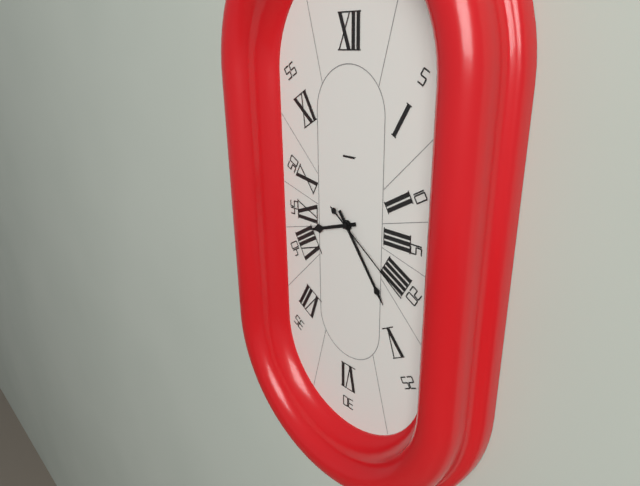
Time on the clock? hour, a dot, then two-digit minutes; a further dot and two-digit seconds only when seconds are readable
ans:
8.24.21
